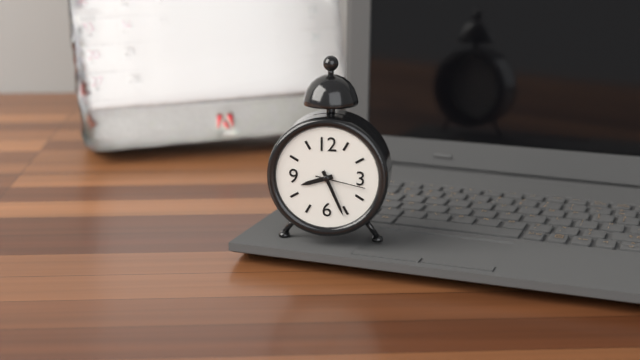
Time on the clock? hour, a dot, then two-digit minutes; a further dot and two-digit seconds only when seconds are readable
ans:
8.26
